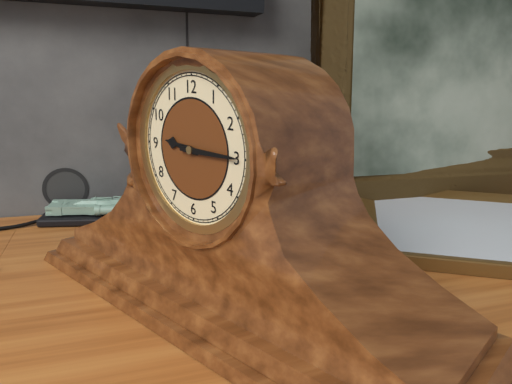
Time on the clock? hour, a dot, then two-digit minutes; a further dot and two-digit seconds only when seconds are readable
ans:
9.15
